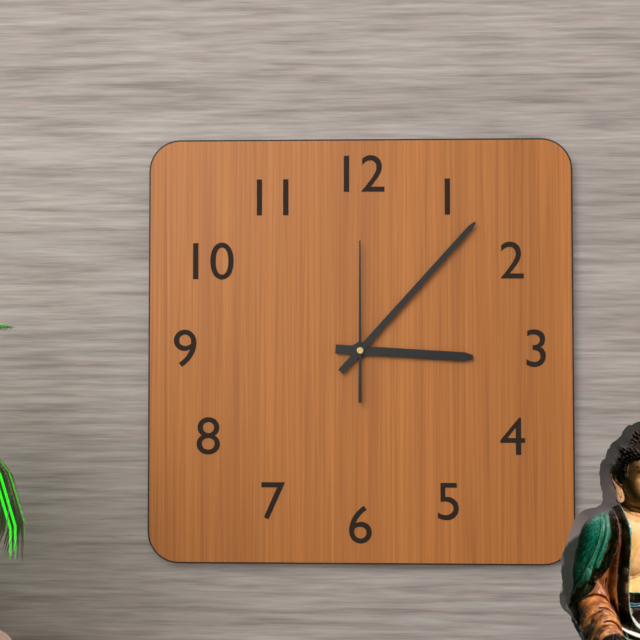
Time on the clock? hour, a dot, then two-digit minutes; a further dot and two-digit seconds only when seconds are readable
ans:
3.07.00
